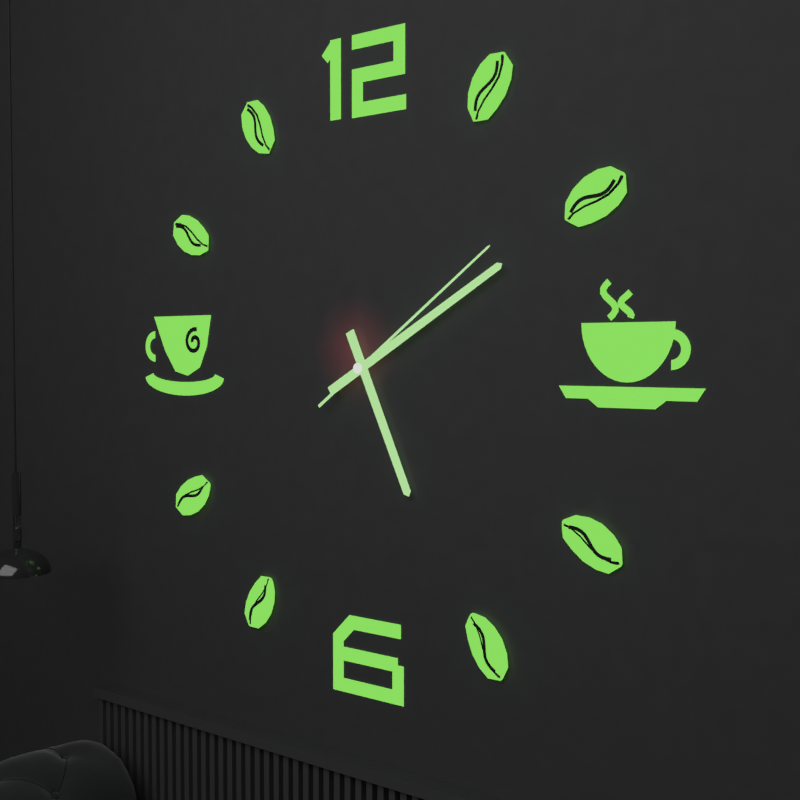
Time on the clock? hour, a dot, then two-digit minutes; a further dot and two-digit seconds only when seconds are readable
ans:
5.10.09
